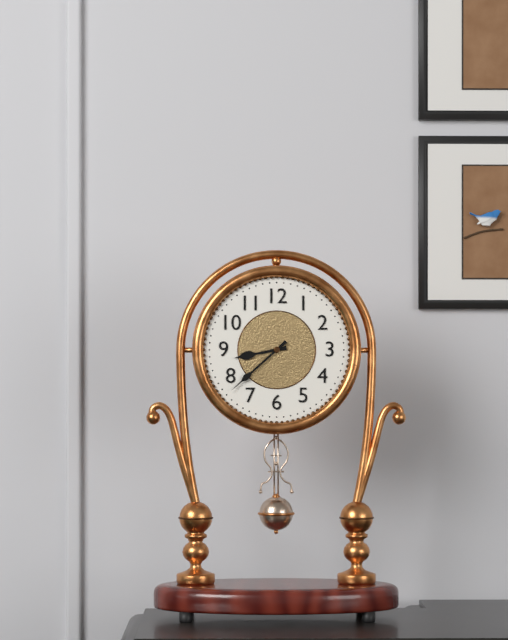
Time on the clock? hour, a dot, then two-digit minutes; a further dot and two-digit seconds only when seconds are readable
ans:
8.38
